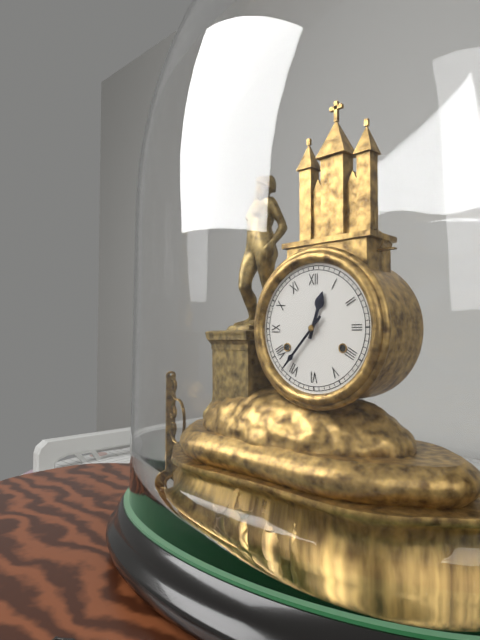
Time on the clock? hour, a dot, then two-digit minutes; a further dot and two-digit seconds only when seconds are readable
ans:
12.37
